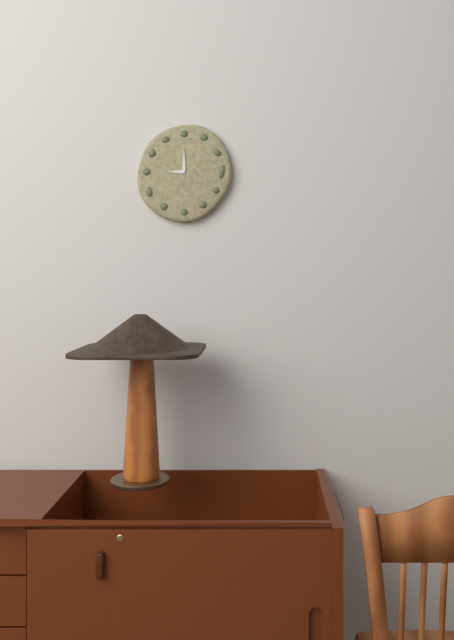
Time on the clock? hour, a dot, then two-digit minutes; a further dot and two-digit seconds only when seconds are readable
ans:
9.00
